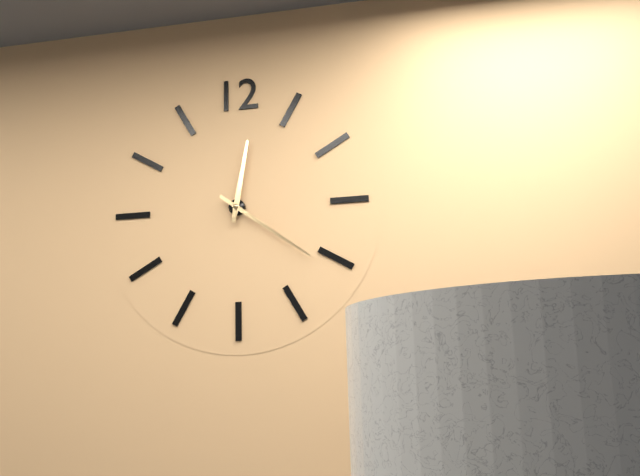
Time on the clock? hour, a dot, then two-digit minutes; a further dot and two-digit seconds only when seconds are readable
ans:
12.21
